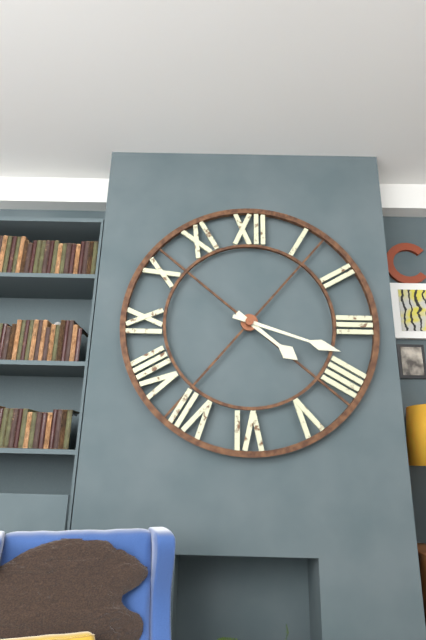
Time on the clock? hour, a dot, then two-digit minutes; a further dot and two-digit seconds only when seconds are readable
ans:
4.18
